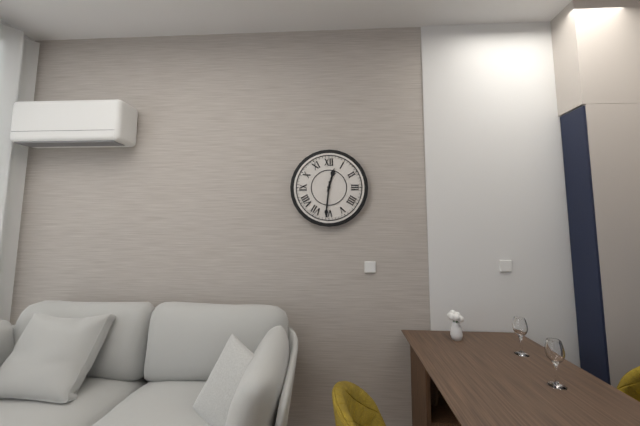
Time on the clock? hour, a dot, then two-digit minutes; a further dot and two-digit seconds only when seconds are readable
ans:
12.31
